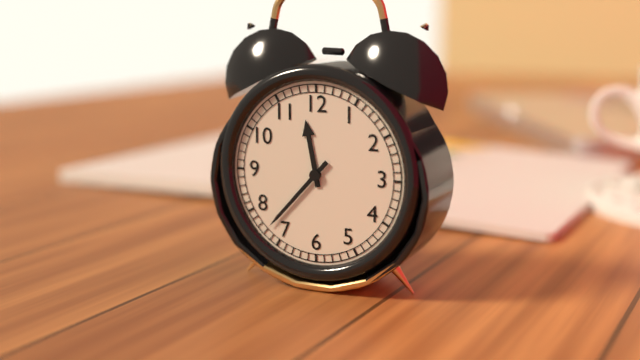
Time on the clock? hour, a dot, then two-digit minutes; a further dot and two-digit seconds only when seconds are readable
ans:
11.37
